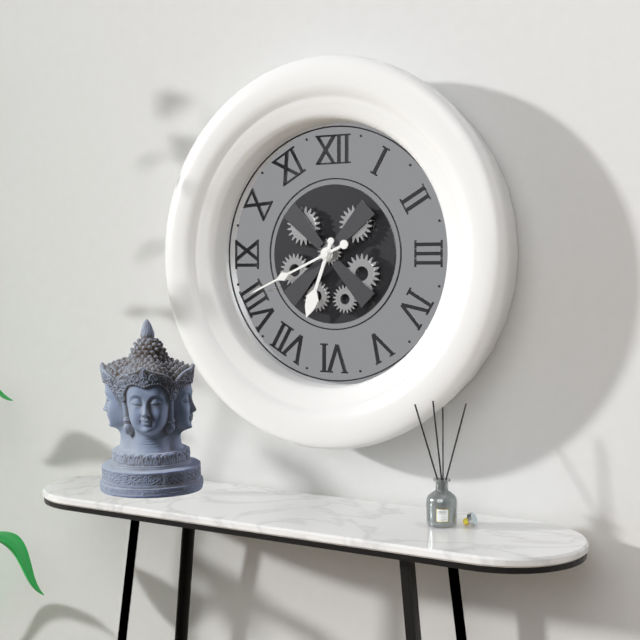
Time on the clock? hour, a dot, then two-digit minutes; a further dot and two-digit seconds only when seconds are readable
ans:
6.41
